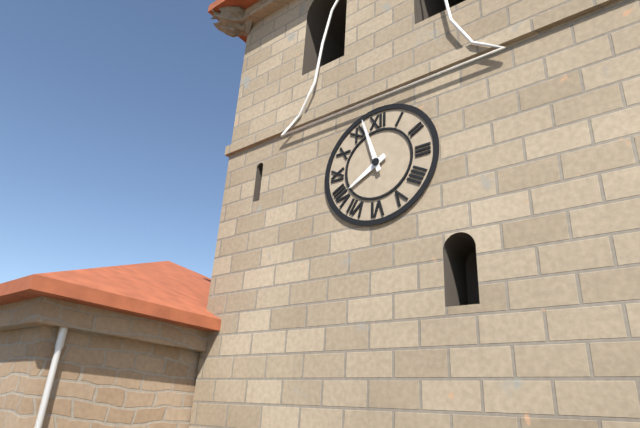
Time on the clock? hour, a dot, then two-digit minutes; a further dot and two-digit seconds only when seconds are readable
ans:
7.57
